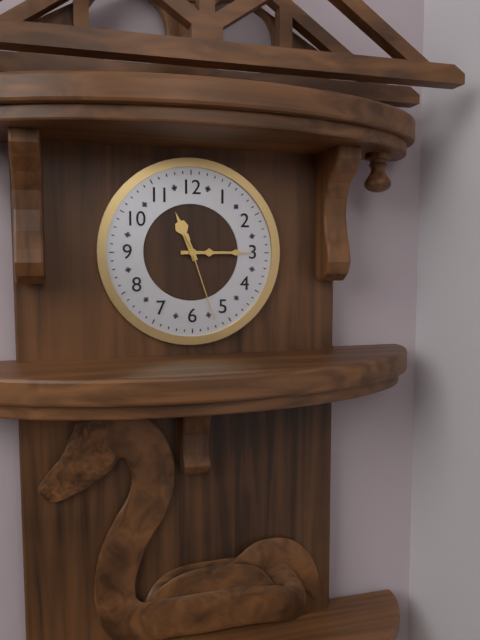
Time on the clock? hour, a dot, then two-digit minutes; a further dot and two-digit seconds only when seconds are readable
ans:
11.15.27
